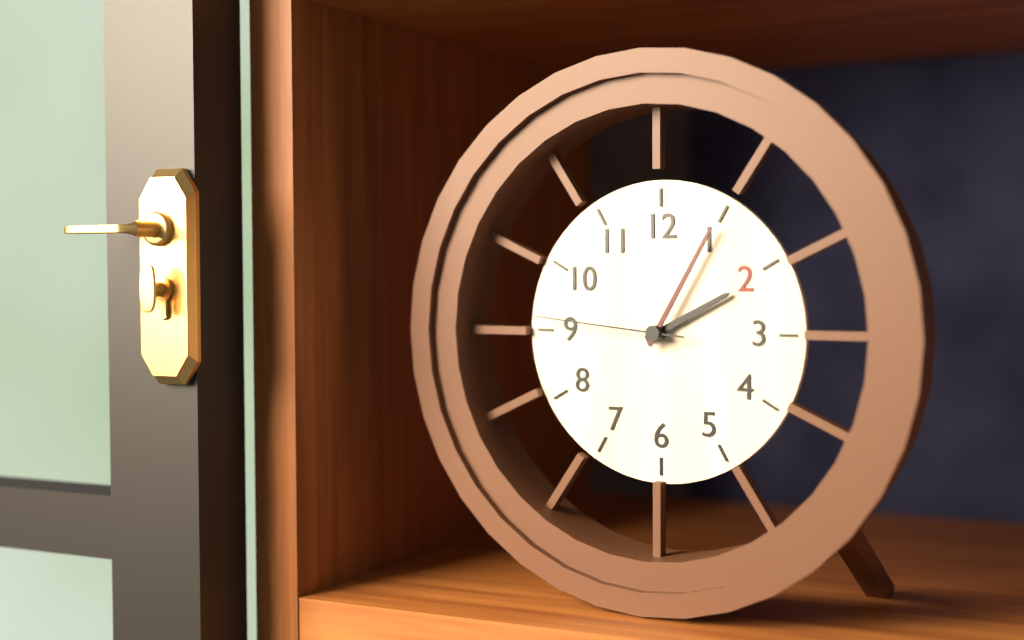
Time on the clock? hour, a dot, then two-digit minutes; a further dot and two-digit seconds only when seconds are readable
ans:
2.05.46
